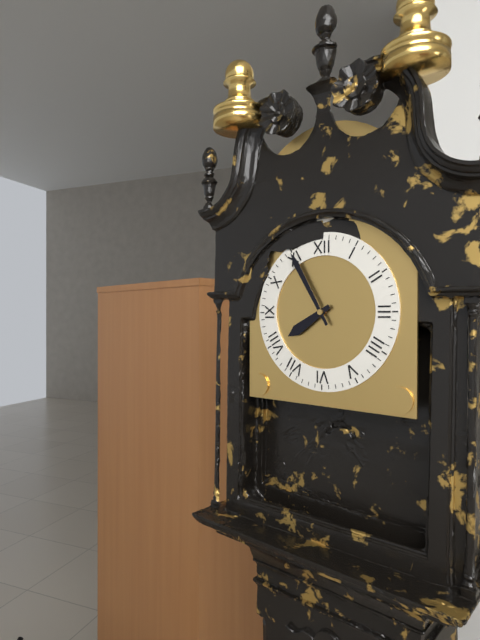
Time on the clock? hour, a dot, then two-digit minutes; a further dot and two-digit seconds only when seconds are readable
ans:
7.55
